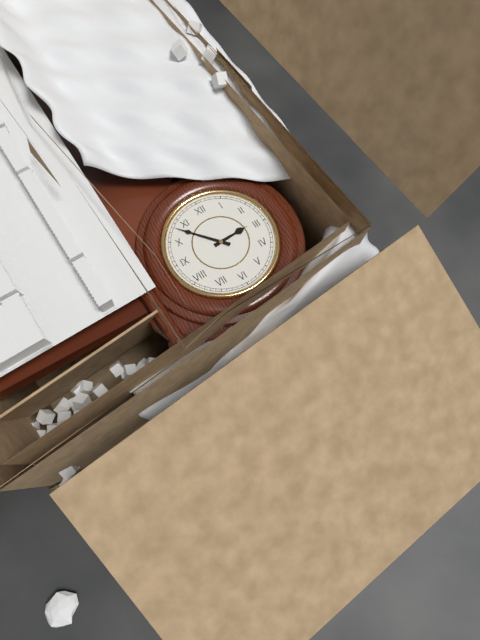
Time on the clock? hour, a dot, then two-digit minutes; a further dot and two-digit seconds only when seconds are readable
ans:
2.53
